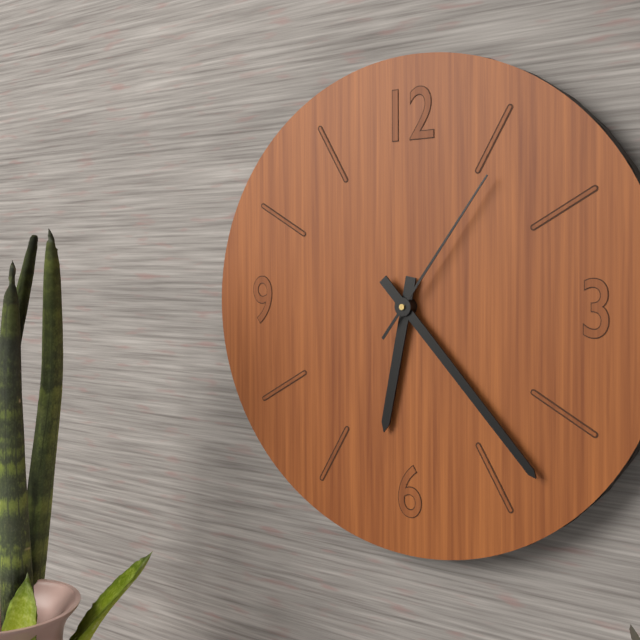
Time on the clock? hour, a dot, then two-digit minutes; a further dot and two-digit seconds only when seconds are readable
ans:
6.23.06
